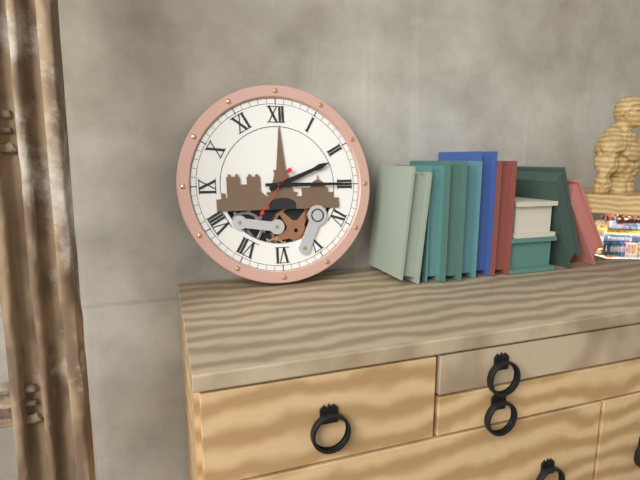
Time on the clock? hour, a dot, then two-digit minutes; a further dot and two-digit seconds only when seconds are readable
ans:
2.15.36
